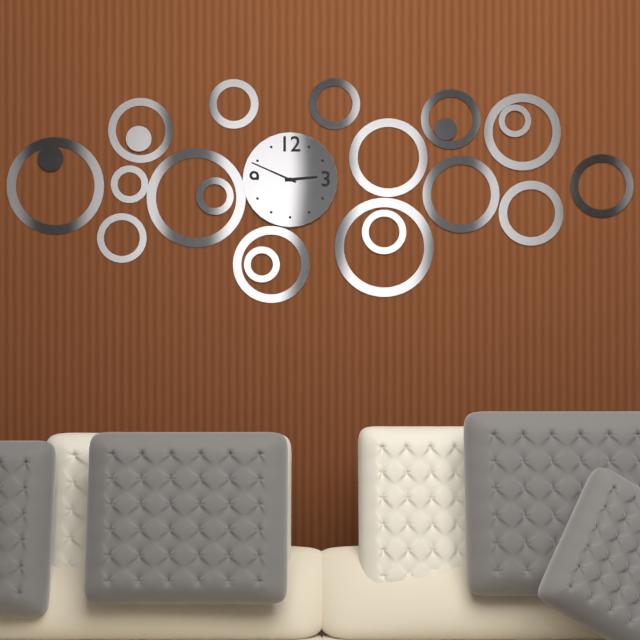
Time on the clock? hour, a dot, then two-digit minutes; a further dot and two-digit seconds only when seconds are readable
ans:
2.49
